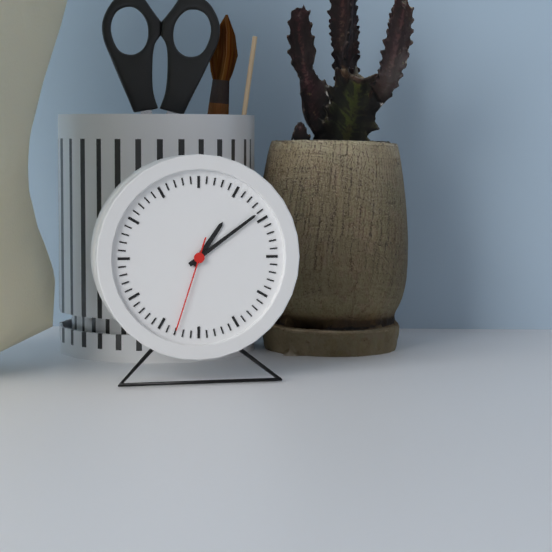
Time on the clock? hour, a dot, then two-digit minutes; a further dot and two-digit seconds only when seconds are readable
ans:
1.09.33
